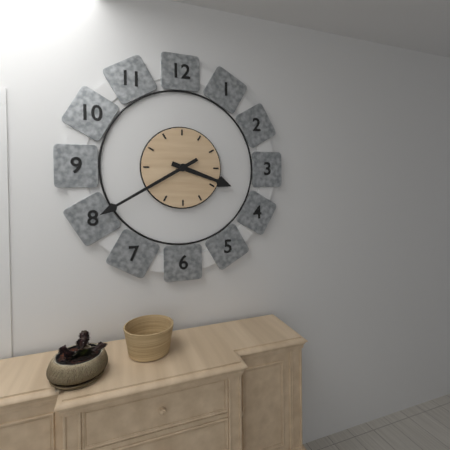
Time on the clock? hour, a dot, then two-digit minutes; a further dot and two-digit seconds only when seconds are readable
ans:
3.40
